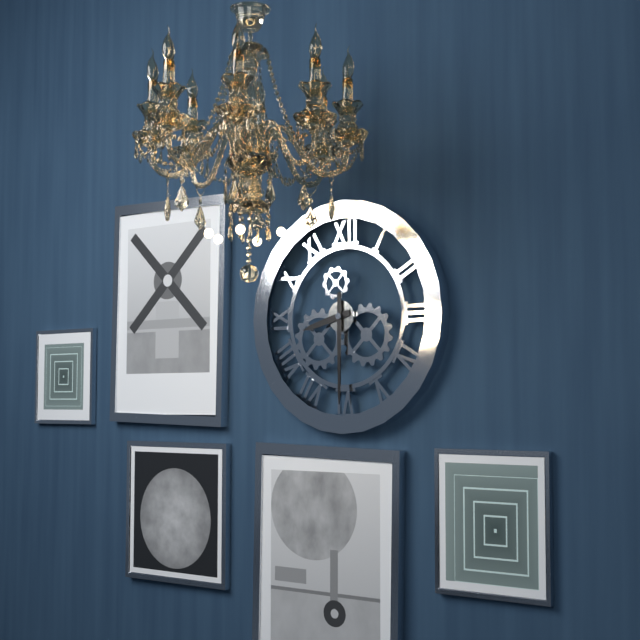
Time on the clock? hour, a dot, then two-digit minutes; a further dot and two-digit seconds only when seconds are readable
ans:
8.30
